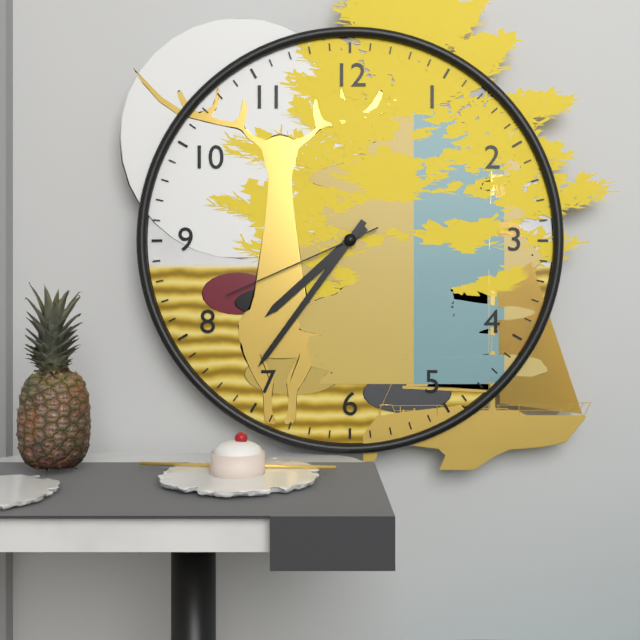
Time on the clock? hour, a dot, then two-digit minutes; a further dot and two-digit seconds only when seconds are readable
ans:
7.36.41
